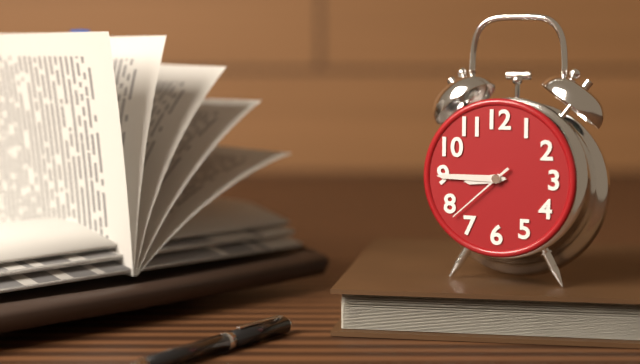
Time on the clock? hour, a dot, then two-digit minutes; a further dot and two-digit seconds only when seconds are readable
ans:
8.45.38
